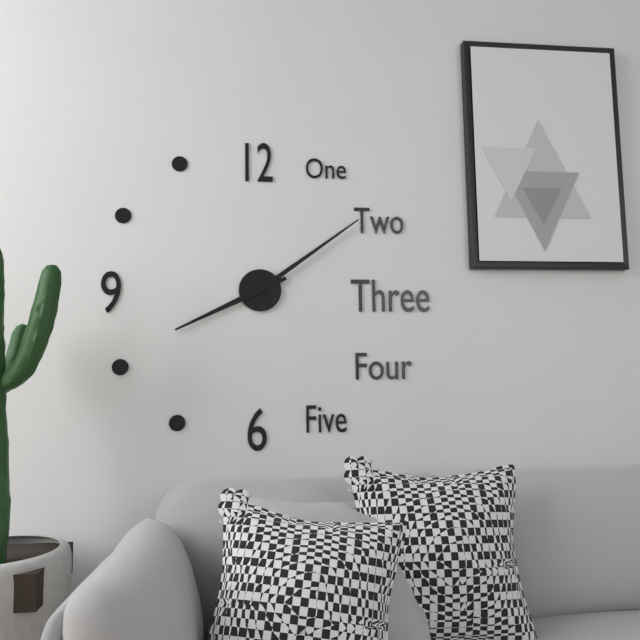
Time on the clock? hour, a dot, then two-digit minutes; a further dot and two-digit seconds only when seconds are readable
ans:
8.09
